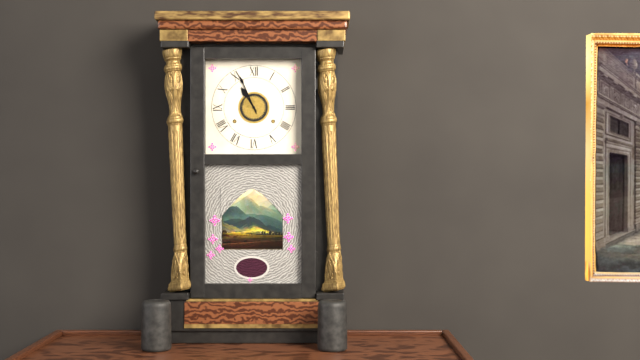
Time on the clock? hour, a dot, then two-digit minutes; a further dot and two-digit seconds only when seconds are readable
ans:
10.56
